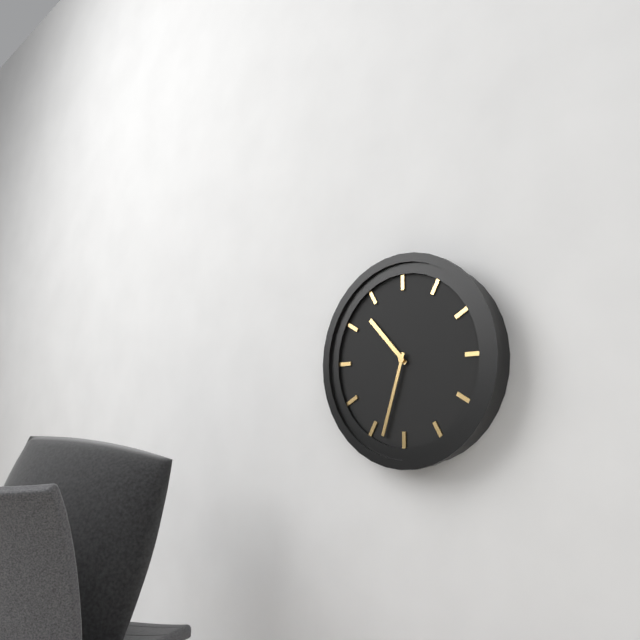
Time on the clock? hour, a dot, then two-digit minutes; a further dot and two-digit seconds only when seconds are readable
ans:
10.33
